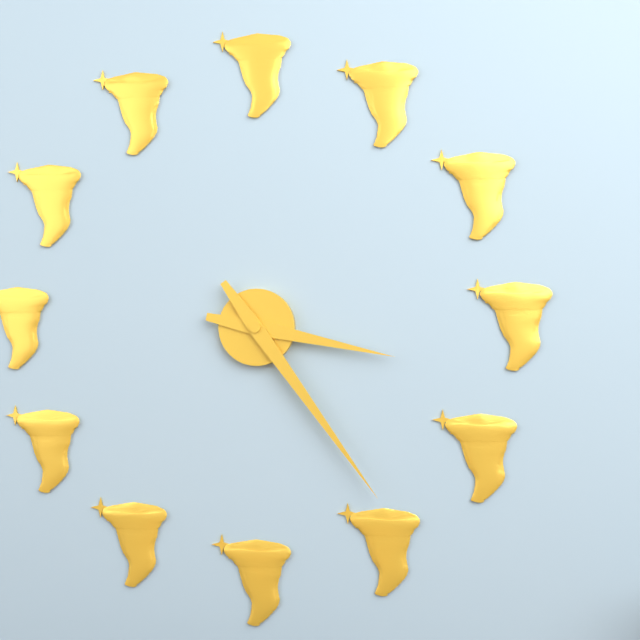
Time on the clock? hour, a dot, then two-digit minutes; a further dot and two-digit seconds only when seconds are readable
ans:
3.24
